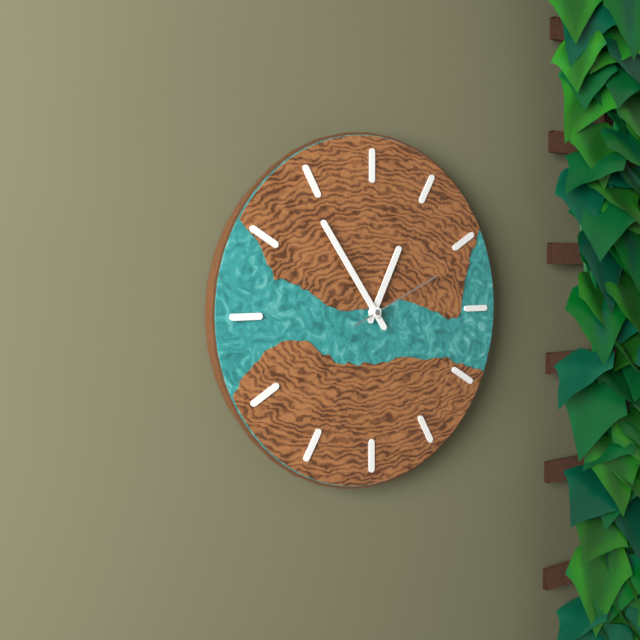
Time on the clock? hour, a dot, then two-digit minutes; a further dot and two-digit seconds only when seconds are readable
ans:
12.54.11
